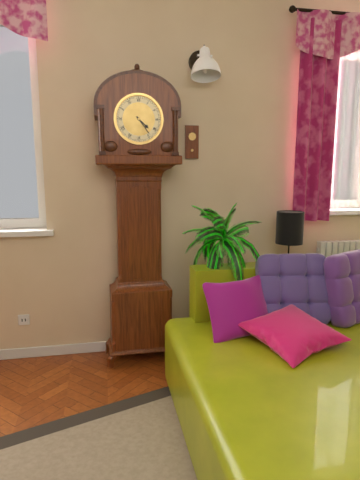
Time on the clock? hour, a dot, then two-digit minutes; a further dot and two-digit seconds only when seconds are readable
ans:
4.24
